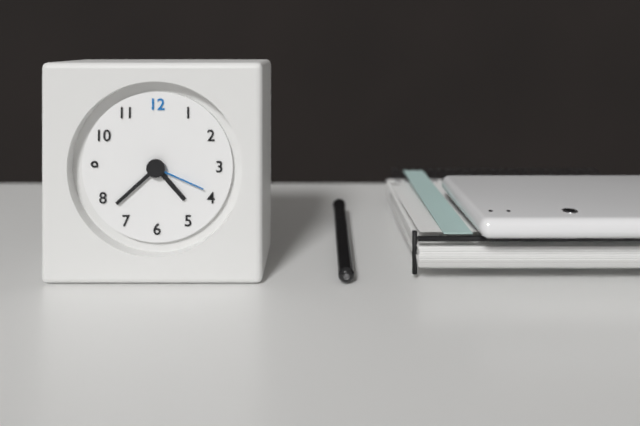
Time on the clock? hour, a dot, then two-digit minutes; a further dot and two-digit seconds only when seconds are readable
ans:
4.38.19
